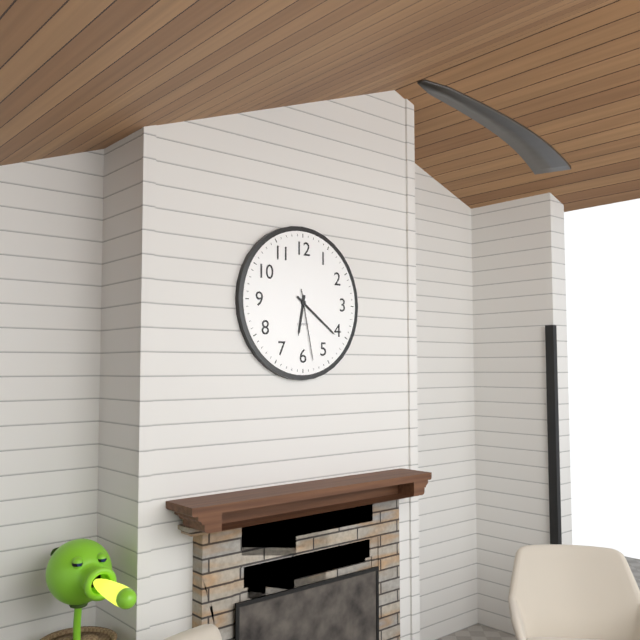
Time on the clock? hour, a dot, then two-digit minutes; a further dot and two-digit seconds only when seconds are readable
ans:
6.21.28
